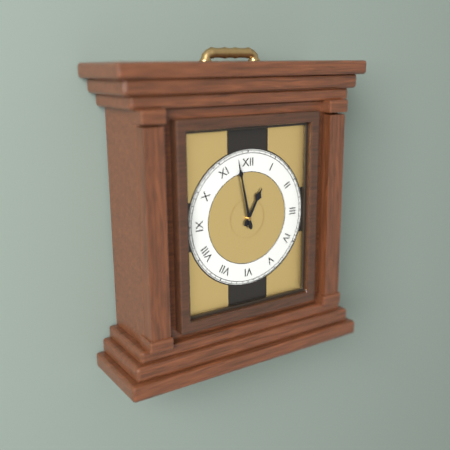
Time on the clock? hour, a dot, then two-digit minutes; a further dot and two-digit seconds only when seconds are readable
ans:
12.58
